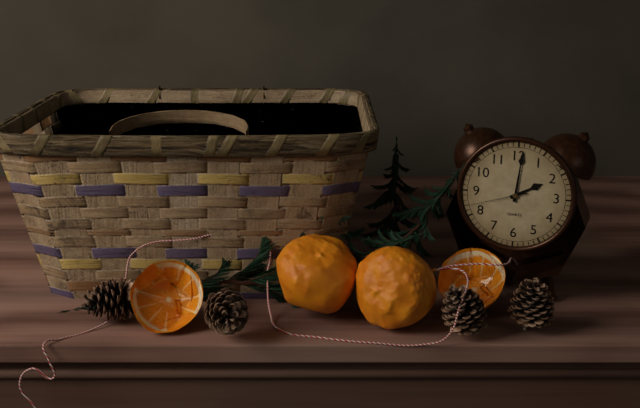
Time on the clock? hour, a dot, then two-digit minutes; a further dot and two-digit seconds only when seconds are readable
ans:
2.01.42
